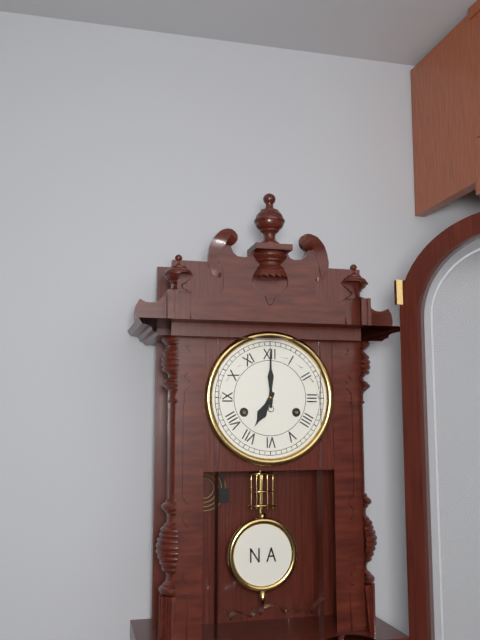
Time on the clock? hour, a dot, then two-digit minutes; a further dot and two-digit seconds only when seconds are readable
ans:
7.00
